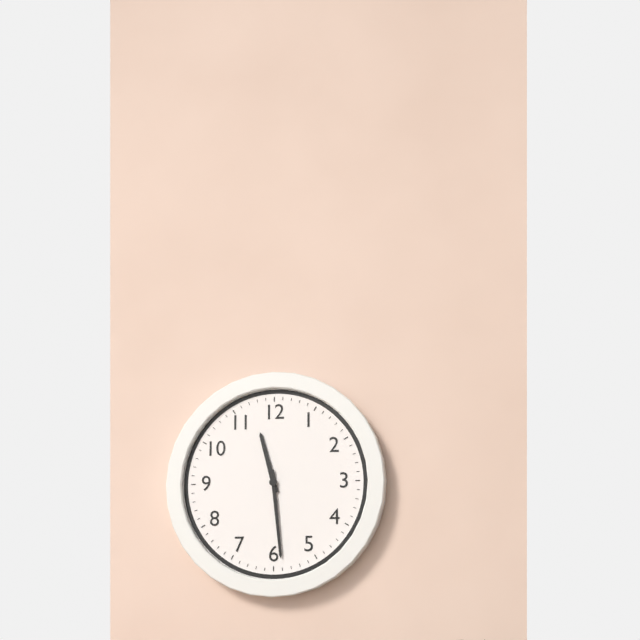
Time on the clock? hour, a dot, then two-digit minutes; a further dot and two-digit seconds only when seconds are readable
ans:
11.29
